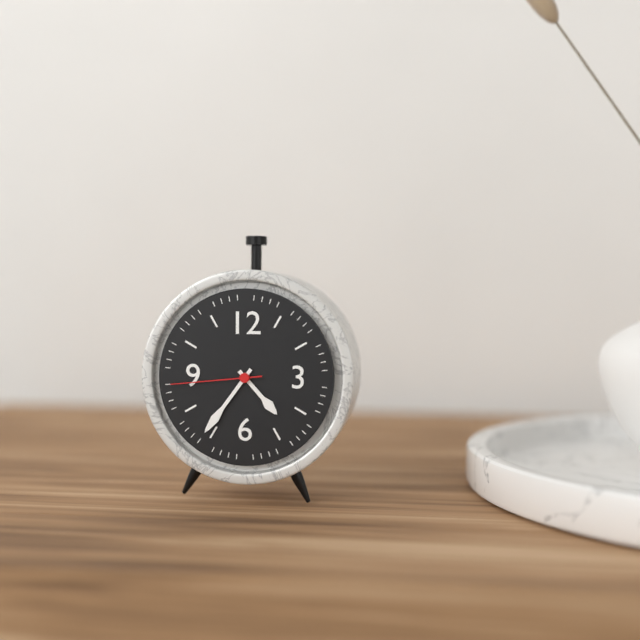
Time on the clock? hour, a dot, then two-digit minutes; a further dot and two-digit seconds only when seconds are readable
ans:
4.36.44
